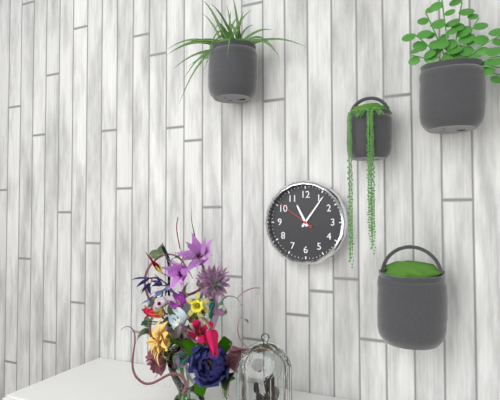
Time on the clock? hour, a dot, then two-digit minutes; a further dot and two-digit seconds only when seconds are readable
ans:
11.06
